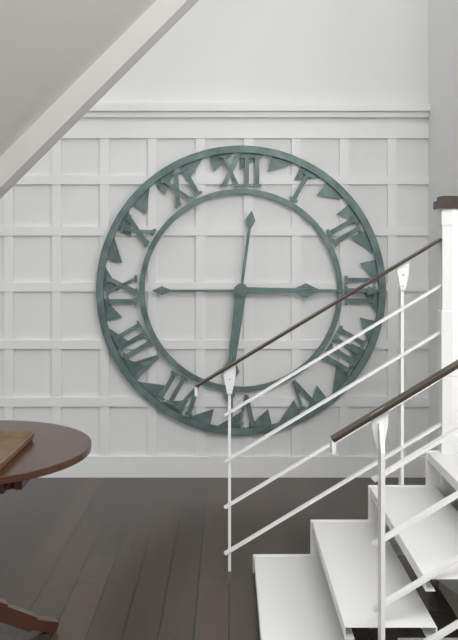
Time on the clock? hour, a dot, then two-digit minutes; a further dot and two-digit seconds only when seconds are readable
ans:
6.15
